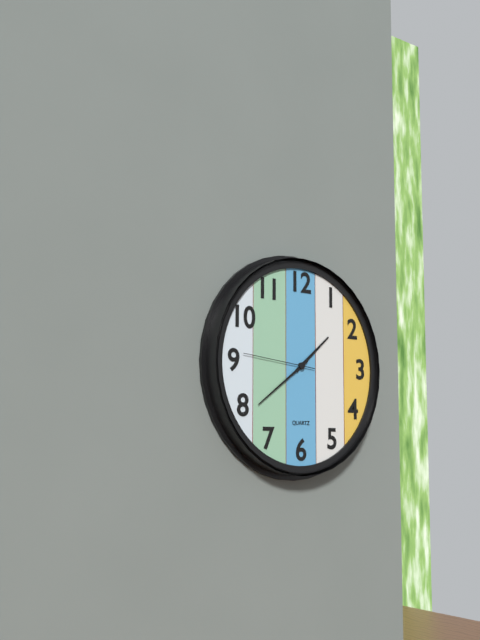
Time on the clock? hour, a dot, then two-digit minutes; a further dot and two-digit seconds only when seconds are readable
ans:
1.39.46
